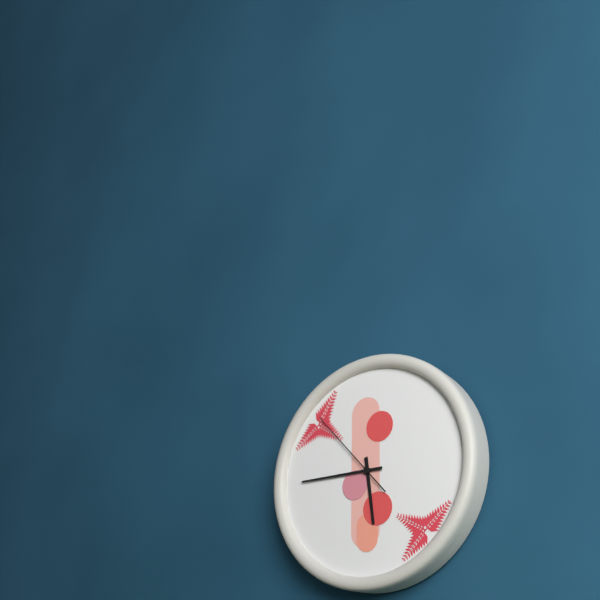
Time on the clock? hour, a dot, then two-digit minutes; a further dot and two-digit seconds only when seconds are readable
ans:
5.45.53
